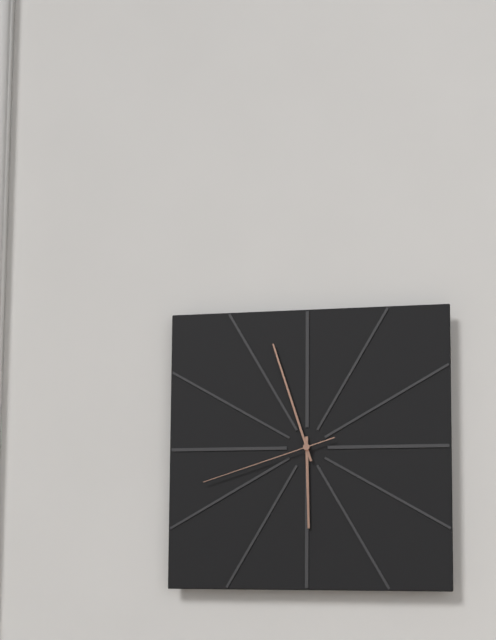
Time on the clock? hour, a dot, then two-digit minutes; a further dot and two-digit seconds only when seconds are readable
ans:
5.57.42
